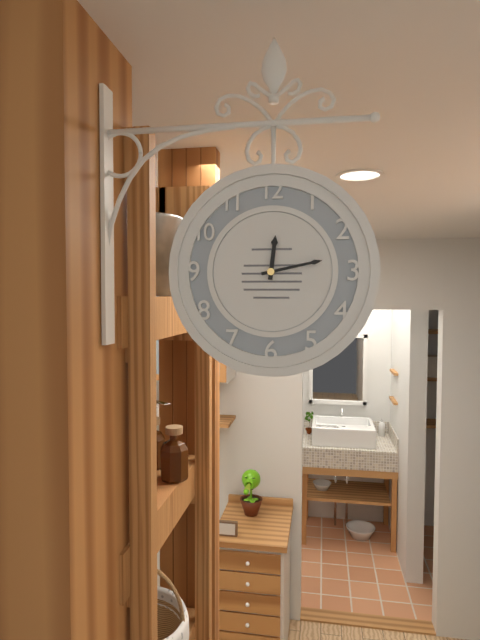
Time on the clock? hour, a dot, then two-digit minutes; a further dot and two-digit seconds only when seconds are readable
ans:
12.13
